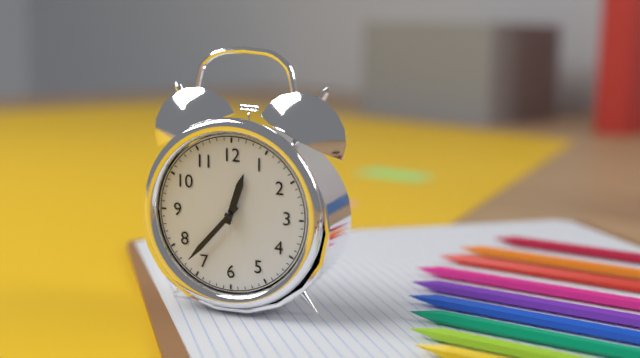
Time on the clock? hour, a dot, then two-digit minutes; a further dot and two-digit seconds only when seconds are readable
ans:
12.37
